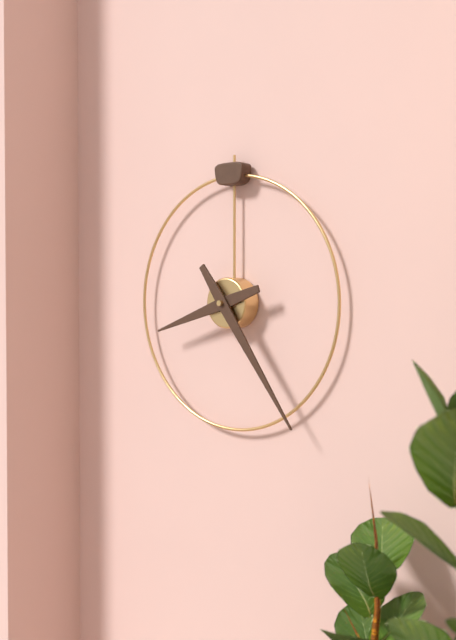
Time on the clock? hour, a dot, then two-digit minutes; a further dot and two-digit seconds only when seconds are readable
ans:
8.24
